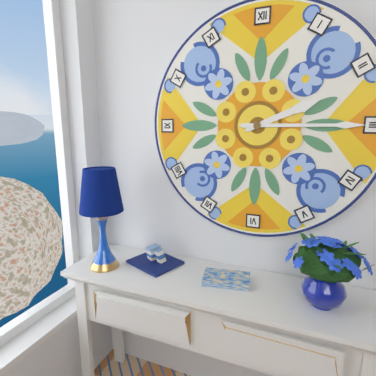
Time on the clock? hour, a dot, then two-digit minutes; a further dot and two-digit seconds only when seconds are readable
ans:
2.15
